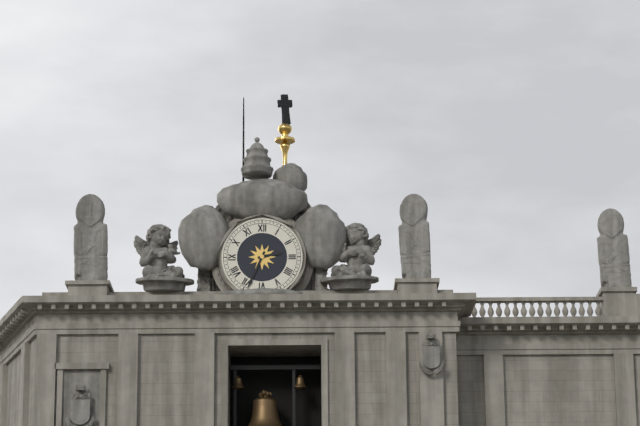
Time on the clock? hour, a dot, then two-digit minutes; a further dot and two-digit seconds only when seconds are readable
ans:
2.34
